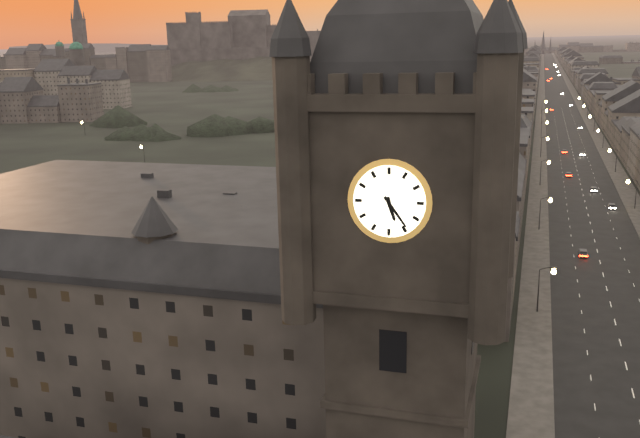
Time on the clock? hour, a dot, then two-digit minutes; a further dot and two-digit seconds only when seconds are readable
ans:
5.24
